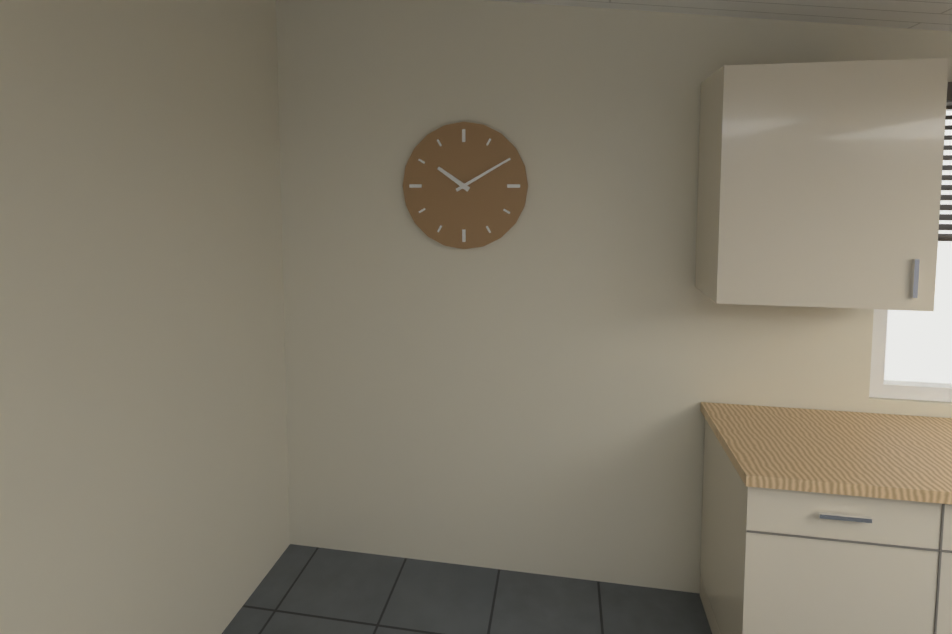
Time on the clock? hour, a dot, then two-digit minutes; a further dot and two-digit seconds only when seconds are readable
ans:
10.10
